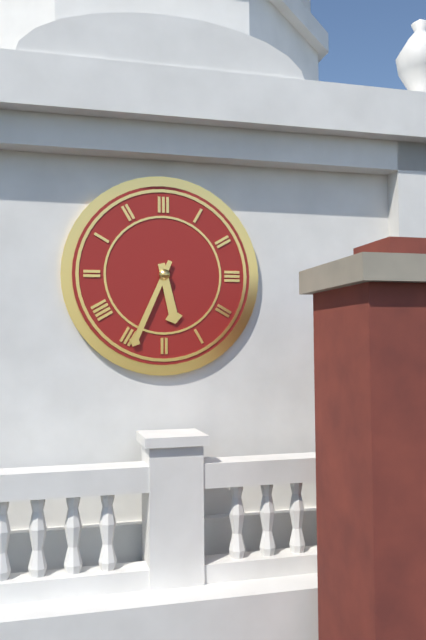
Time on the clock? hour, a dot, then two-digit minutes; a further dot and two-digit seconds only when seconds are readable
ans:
5.34
